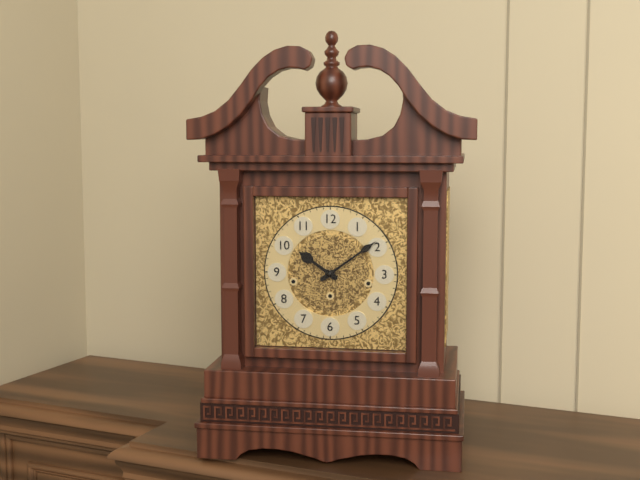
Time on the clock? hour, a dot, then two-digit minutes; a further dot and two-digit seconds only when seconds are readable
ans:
10.09
